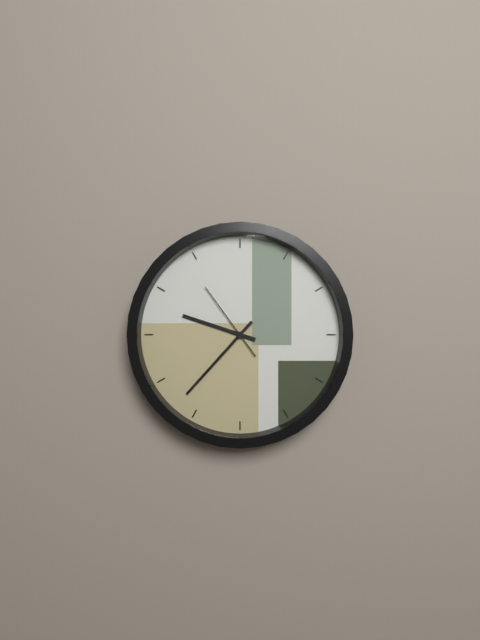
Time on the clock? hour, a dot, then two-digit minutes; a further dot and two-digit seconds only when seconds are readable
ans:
9.37.54
